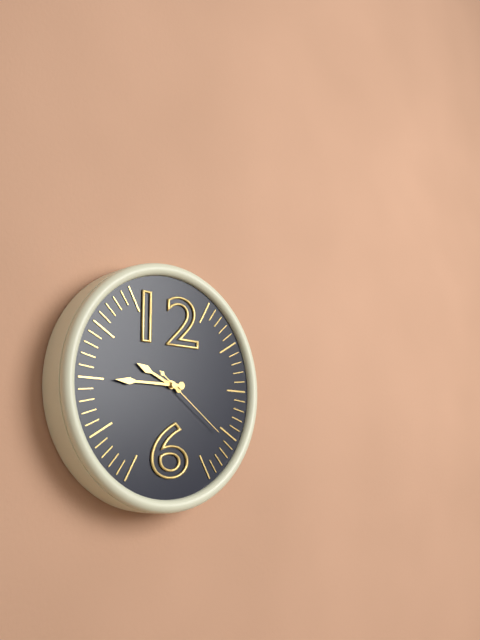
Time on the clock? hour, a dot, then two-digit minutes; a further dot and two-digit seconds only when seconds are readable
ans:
9.45.21
